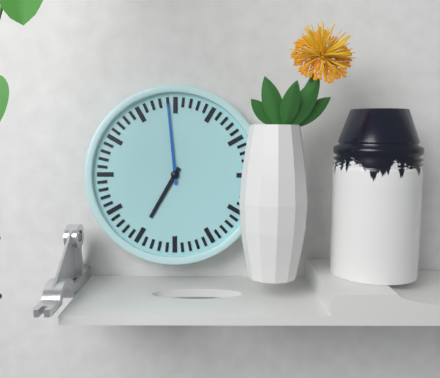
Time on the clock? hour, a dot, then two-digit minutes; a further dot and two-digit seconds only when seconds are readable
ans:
6.59
